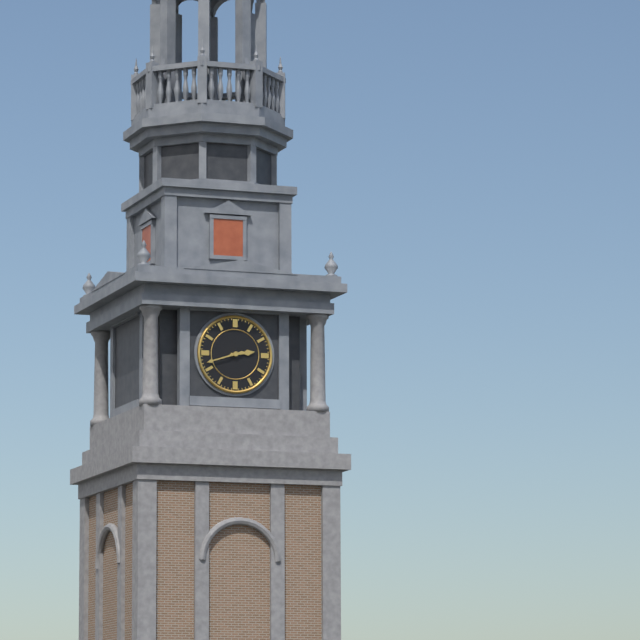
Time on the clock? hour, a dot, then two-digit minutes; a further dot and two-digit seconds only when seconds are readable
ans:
2.42
